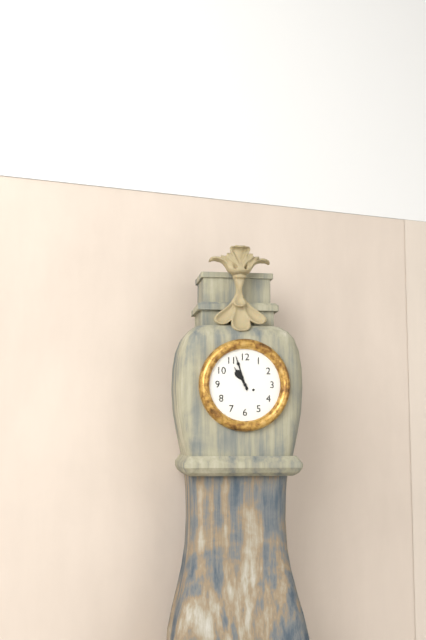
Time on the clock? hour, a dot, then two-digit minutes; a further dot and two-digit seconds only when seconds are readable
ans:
10.57
